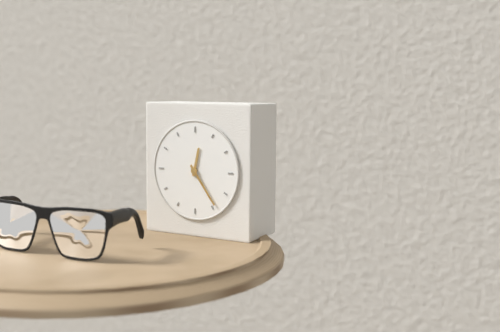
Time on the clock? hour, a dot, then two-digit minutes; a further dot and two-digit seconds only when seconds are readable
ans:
12.24
